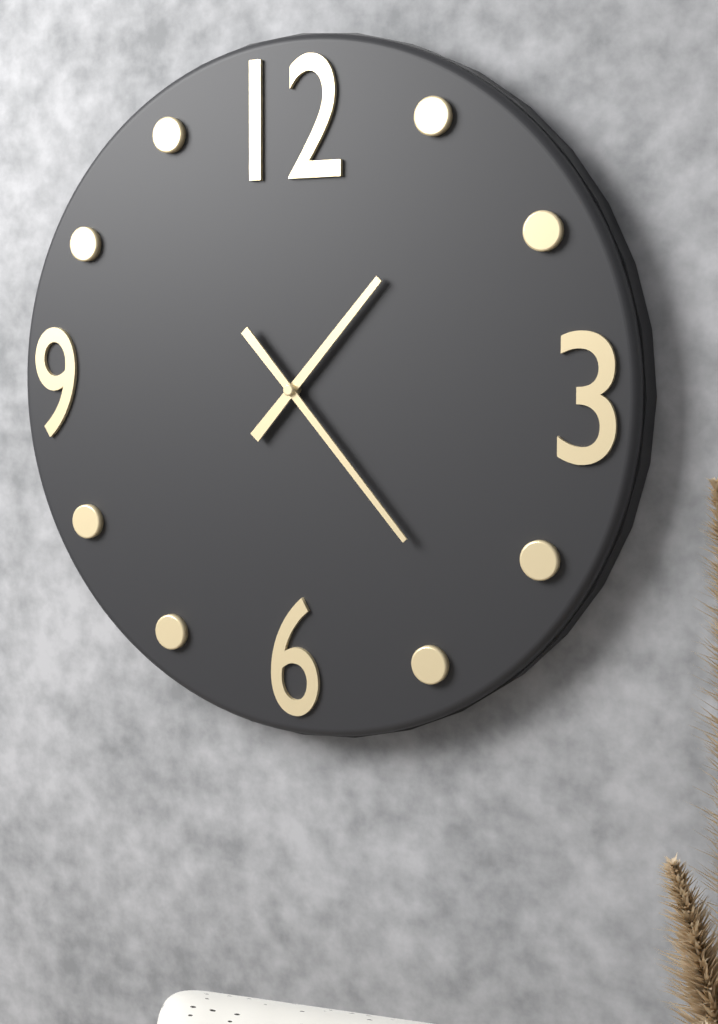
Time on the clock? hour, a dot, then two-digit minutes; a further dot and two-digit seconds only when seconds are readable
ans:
1.23
